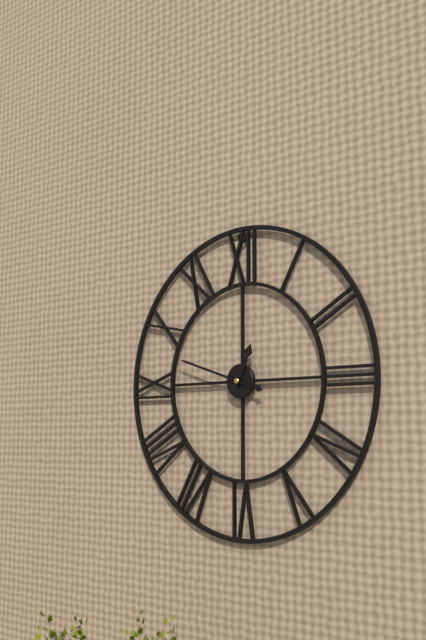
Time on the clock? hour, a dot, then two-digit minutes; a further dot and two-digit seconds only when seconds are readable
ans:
12.48
